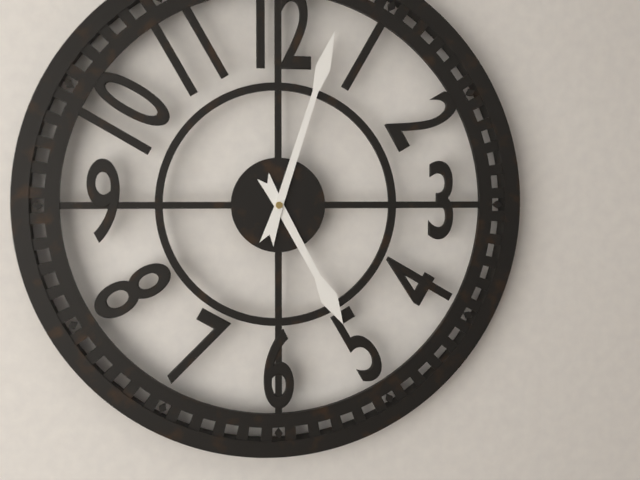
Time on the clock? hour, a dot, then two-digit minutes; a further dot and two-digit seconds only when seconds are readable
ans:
5.03
